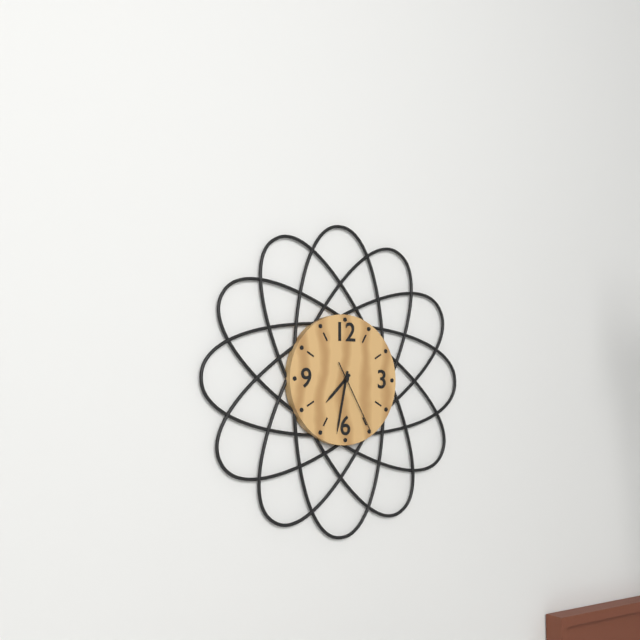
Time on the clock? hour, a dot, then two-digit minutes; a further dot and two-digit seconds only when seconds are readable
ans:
7.32.25
